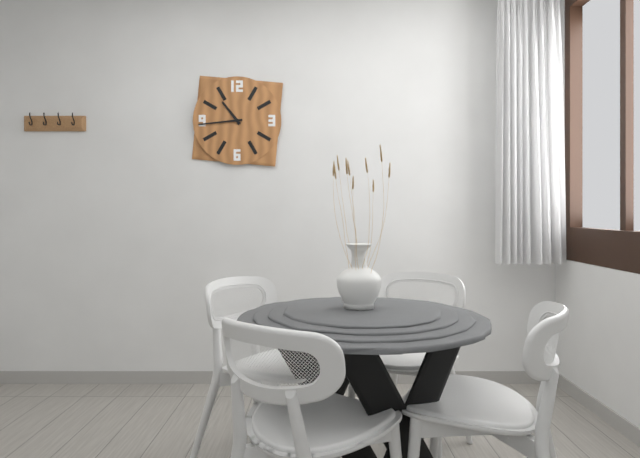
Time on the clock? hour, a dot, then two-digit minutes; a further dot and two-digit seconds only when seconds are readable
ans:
10.44
